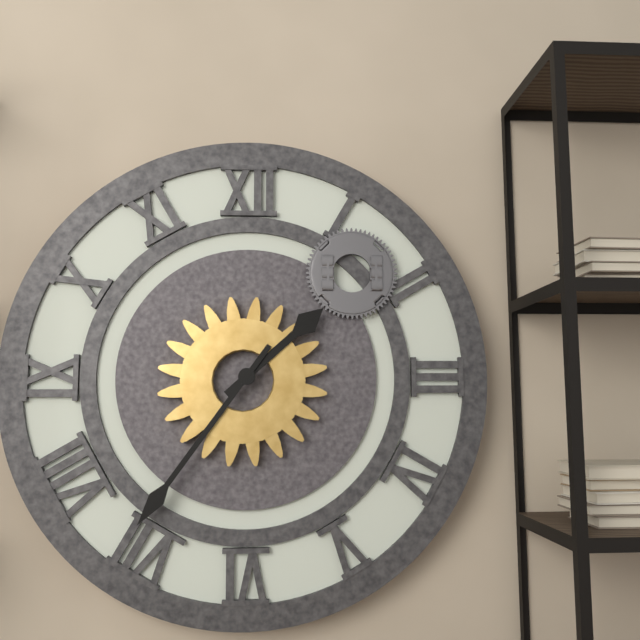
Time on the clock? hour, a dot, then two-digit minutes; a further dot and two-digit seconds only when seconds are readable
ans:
1.36
